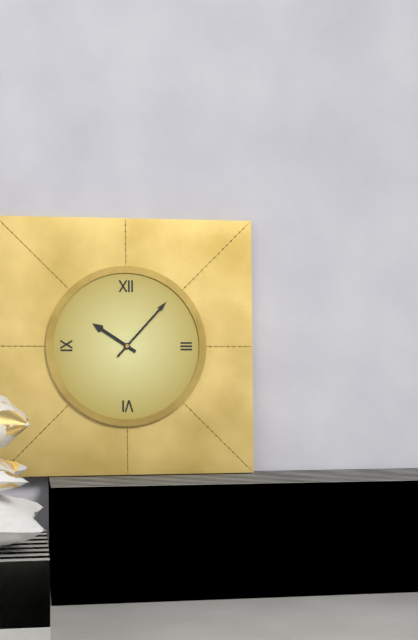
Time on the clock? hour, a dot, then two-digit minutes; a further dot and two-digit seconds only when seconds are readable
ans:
10.07
